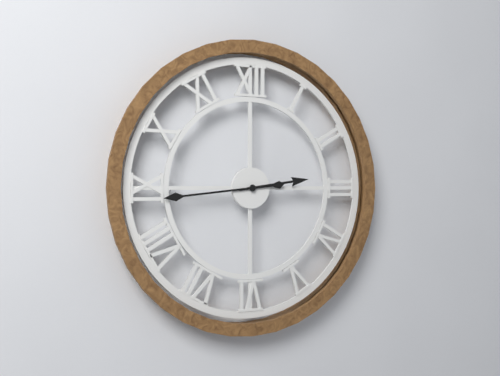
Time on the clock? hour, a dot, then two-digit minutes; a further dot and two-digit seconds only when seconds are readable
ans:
2.44
